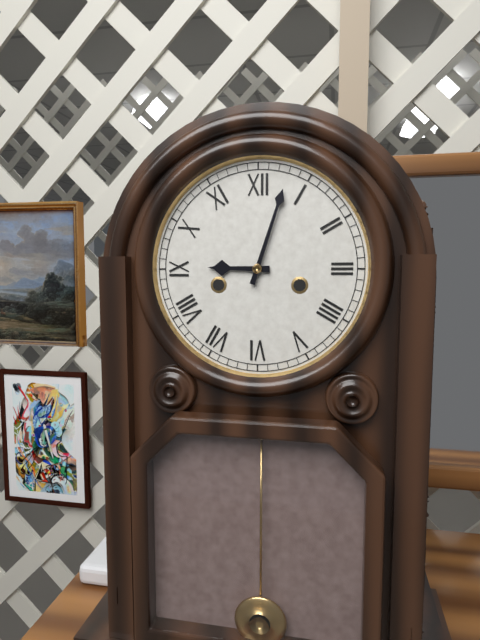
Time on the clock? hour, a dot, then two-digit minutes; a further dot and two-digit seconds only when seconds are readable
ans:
9.03
